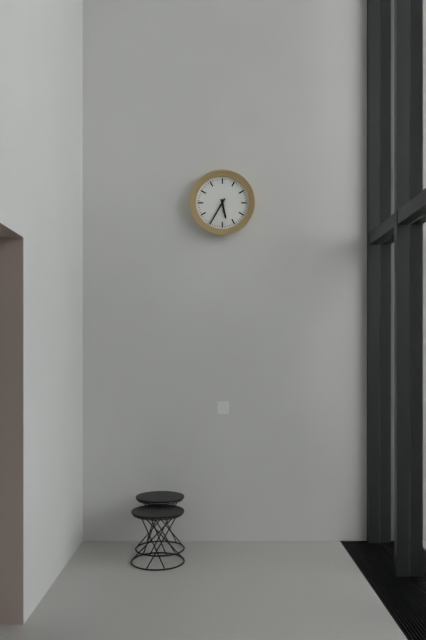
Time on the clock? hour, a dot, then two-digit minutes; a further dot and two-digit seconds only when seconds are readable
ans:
5.35
